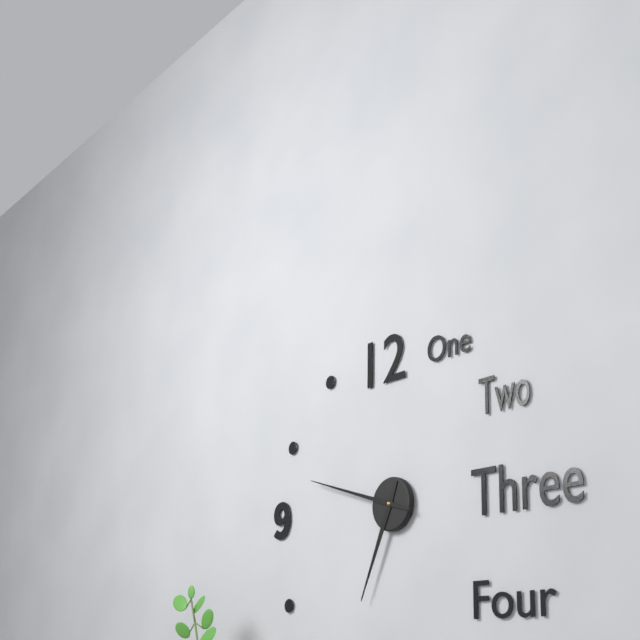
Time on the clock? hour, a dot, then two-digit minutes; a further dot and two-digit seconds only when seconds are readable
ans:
6.48
